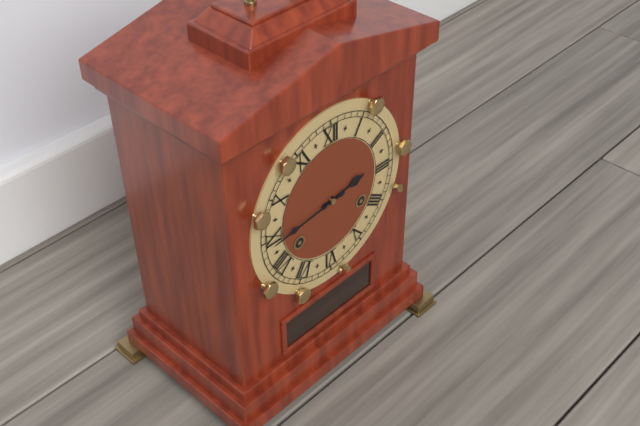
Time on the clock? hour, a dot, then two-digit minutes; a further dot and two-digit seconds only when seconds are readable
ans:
2.44
